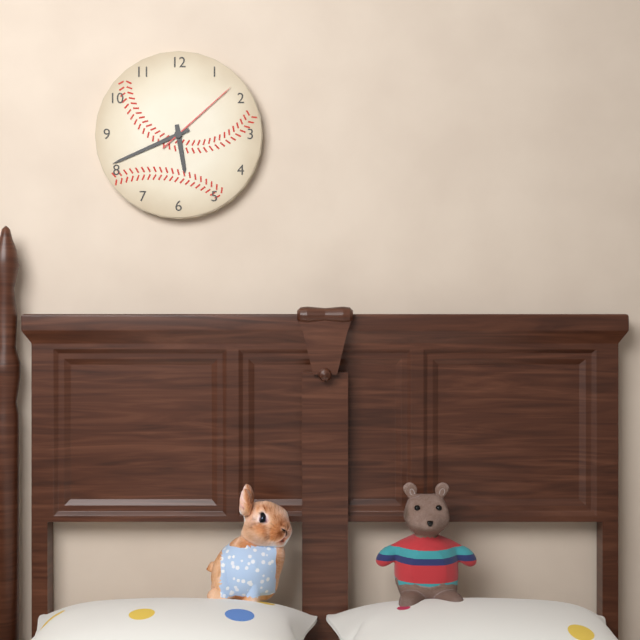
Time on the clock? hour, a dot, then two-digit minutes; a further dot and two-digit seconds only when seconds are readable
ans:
5.41.08
